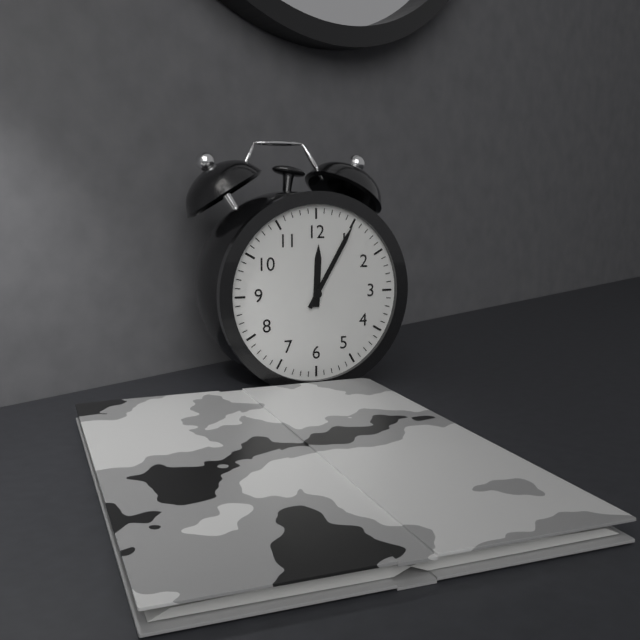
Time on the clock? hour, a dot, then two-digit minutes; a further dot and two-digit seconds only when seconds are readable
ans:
12.05
